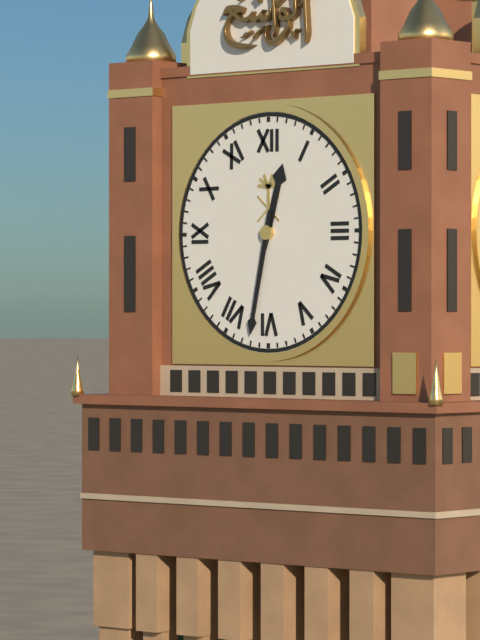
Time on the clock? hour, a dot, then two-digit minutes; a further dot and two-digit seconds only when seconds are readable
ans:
12.32
